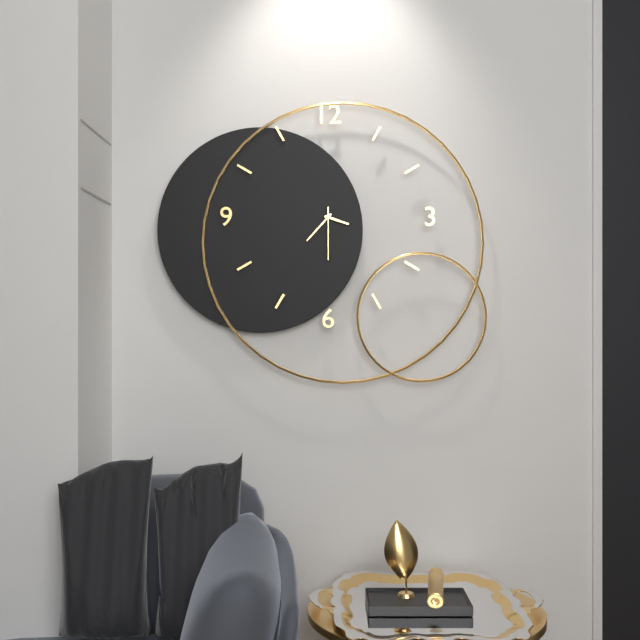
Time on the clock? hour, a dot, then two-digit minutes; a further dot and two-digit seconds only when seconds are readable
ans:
3.37.30
